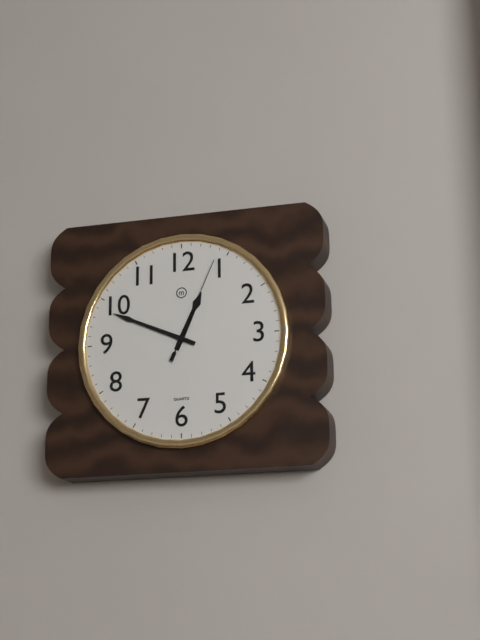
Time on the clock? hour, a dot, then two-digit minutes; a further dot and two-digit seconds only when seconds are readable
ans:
12.49.04
